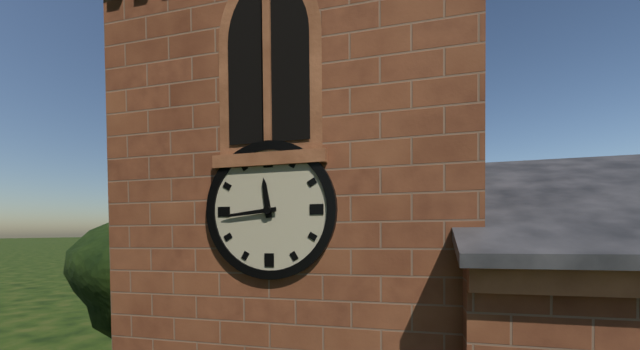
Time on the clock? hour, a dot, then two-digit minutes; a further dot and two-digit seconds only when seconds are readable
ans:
11.44
